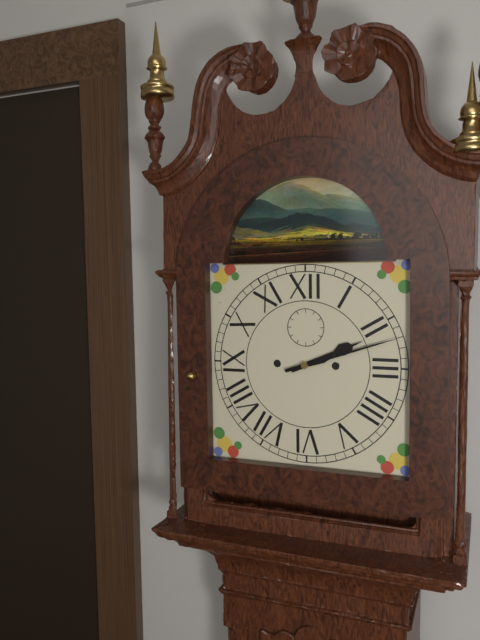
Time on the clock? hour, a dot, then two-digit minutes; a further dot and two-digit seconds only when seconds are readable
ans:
2.12
